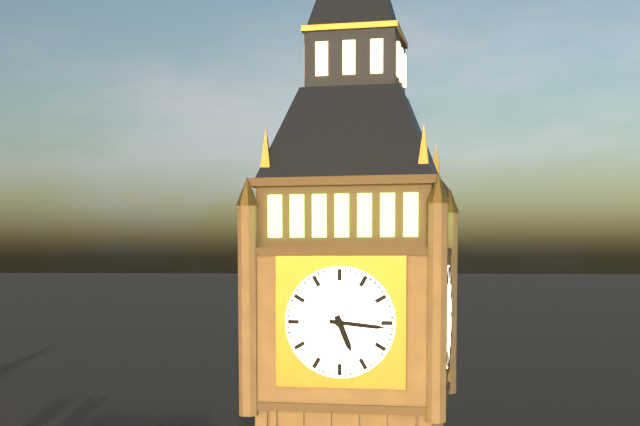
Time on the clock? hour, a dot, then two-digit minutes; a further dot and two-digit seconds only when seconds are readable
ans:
5.16
